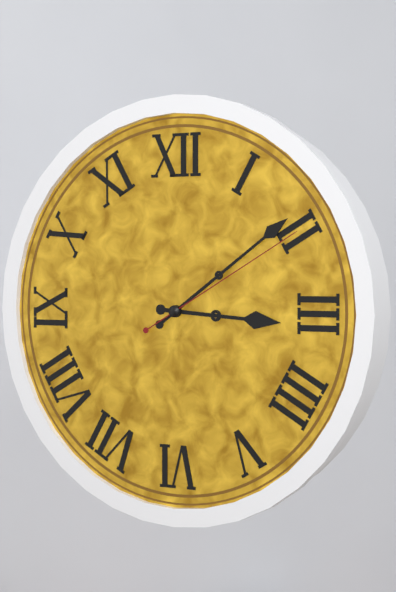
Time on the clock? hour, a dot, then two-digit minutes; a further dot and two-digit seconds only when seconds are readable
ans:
3.09.10
